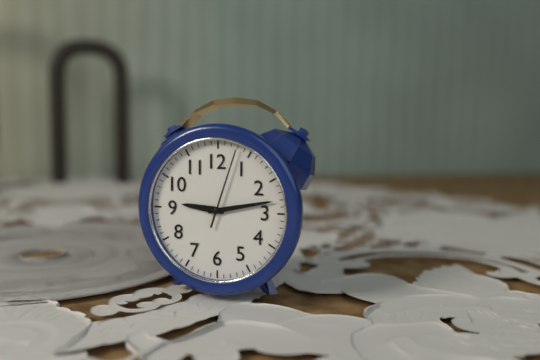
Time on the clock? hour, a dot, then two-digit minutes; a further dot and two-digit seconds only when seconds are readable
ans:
9.13.03
